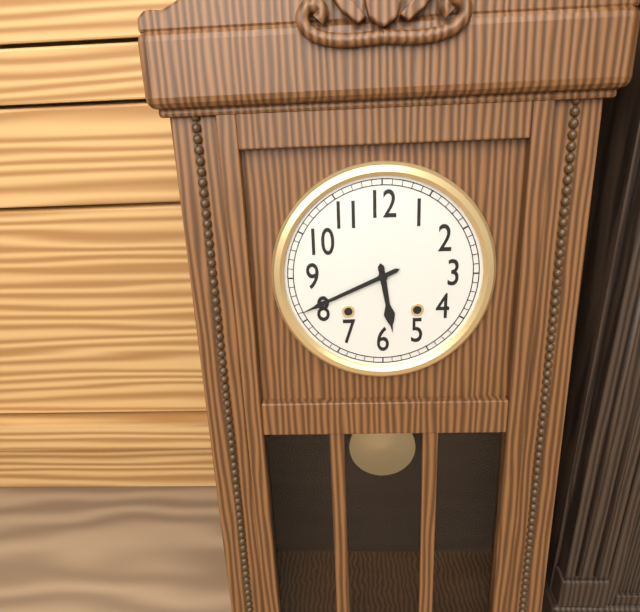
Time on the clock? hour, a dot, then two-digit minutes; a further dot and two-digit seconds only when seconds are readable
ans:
5.41
